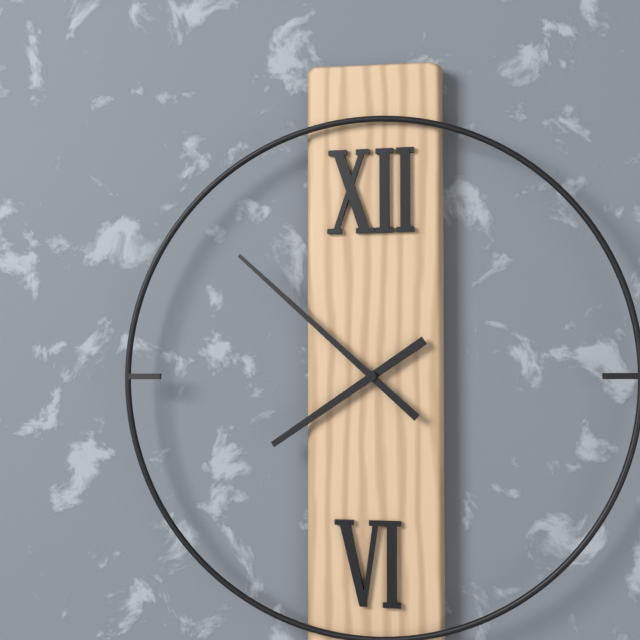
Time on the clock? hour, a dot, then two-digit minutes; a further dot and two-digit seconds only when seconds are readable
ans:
7.52
